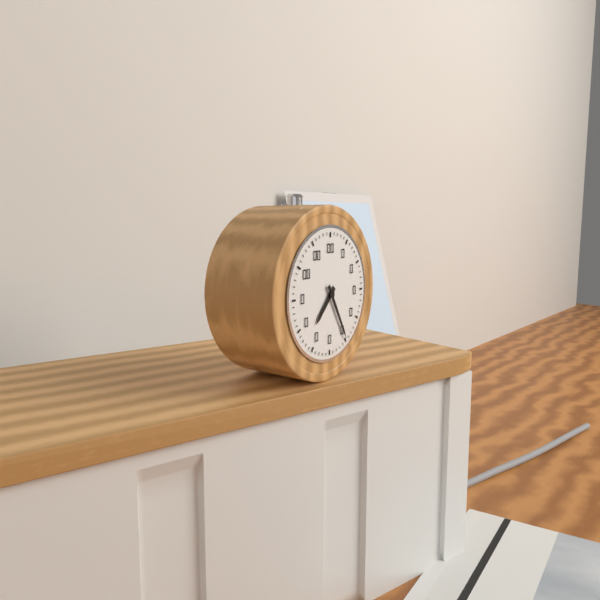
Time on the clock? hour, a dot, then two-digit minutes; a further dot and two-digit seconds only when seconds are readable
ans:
7.25
